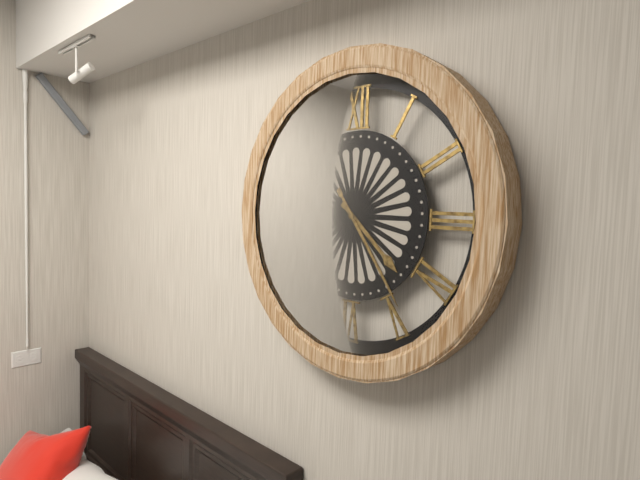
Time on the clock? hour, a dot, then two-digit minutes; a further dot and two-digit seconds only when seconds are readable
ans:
4.24
